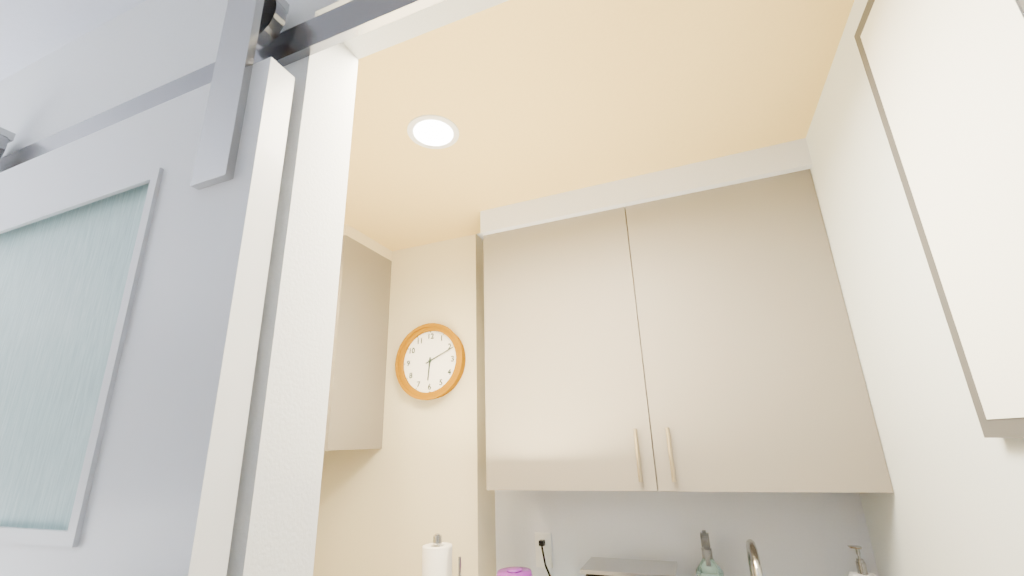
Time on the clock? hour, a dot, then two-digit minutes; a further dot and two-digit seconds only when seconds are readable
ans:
6.11
